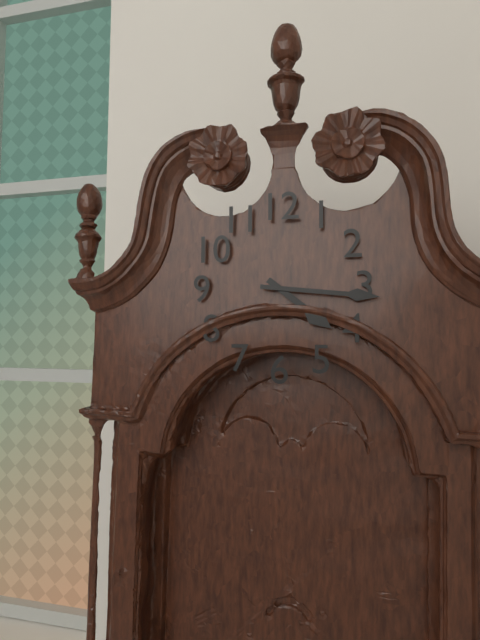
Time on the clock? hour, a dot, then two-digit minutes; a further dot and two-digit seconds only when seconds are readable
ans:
4.16
